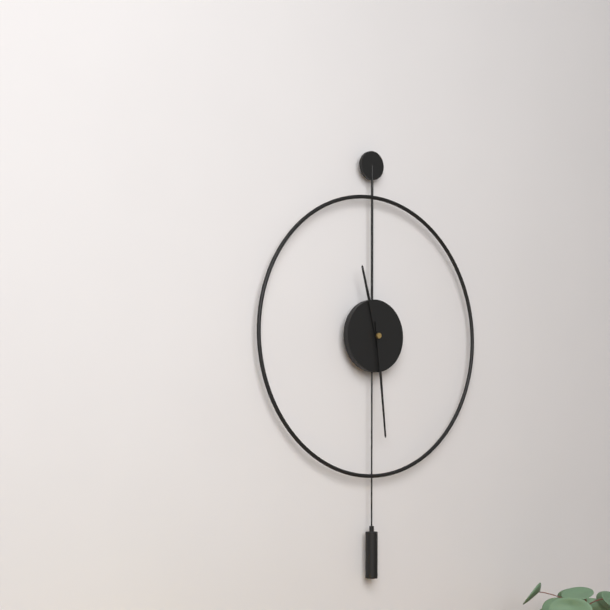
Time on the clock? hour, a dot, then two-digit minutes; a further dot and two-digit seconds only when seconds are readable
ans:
11.29
